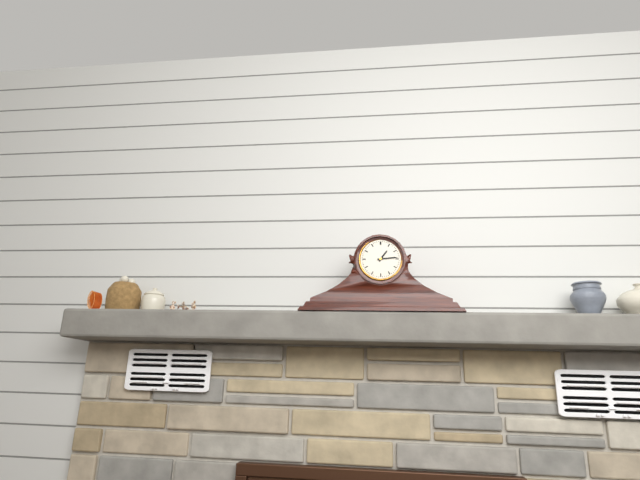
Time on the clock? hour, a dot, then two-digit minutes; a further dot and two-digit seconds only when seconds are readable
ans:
1.14
